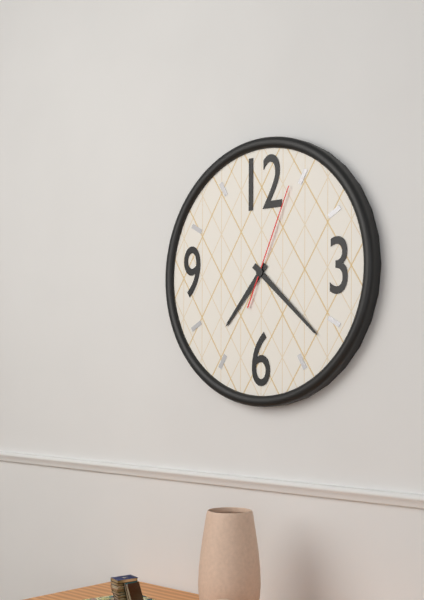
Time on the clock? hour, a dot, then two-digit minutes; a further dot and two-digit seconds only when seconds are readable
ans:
7.22.04
